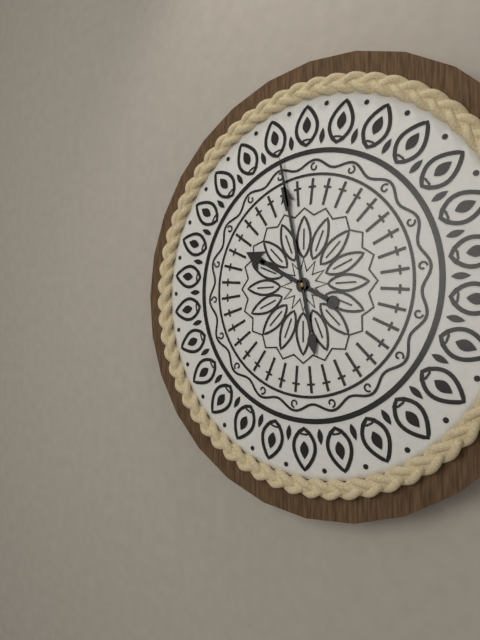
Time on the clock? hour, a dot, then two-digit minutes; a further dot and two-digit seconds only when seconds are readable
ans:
9.58
